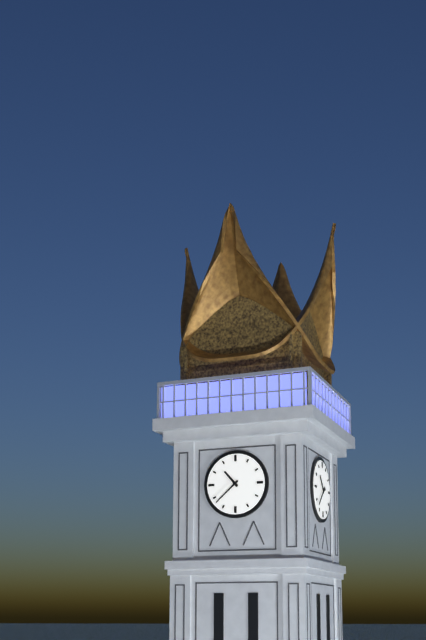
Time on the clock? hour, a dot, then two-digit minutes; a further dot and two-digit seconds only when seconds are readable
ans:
10.38
